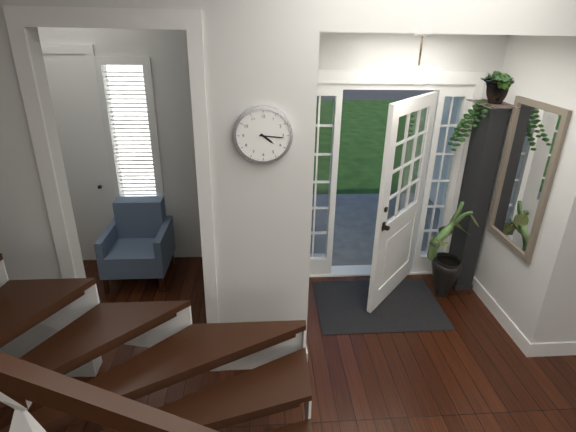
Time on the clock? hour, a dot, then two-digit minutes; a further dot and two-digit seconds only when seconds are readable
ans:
4.16
